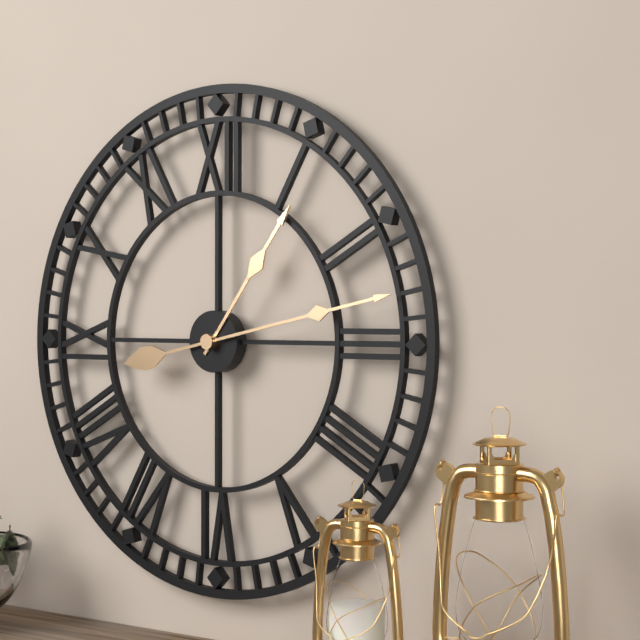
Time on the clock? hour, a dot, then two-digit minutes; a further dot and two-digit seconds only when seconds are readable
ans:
1.13
